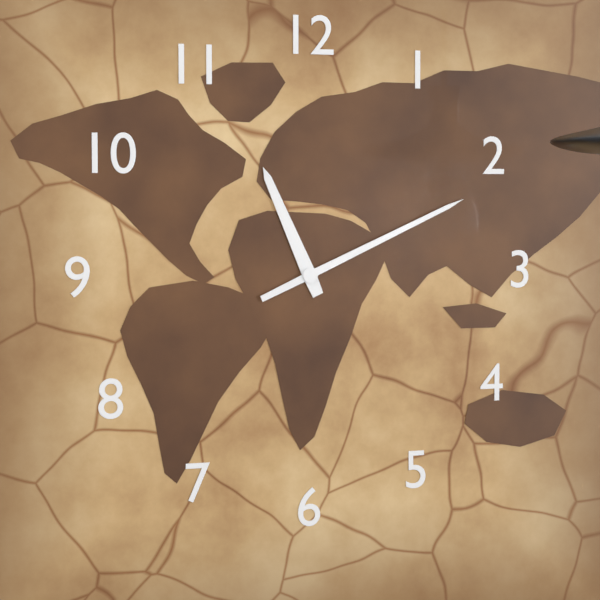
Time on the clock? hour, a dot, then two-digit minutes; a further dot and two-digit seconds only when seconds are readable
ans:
11.11
